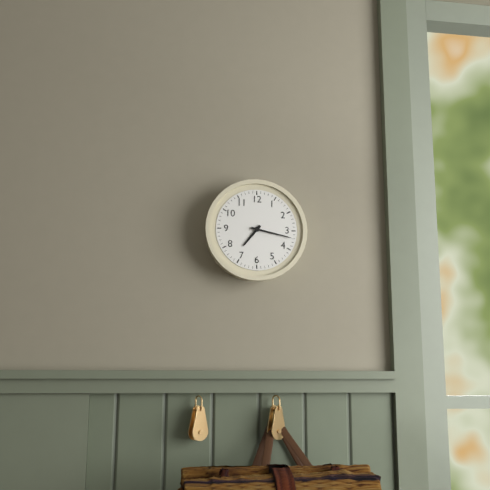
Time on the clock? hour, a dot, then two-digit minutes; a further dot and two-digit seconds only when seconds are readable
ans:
7.17
